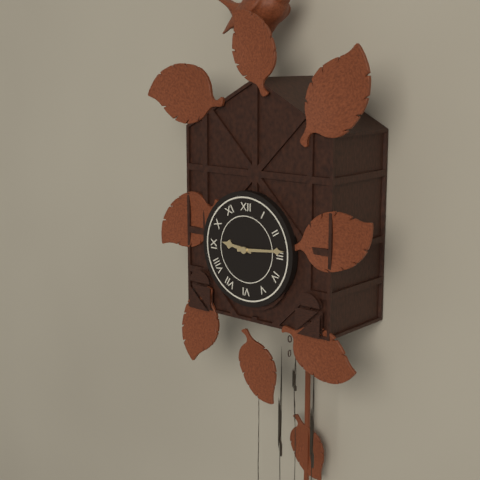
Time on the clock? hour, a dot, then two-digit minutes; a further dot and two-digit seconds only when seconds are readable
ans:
9.14
